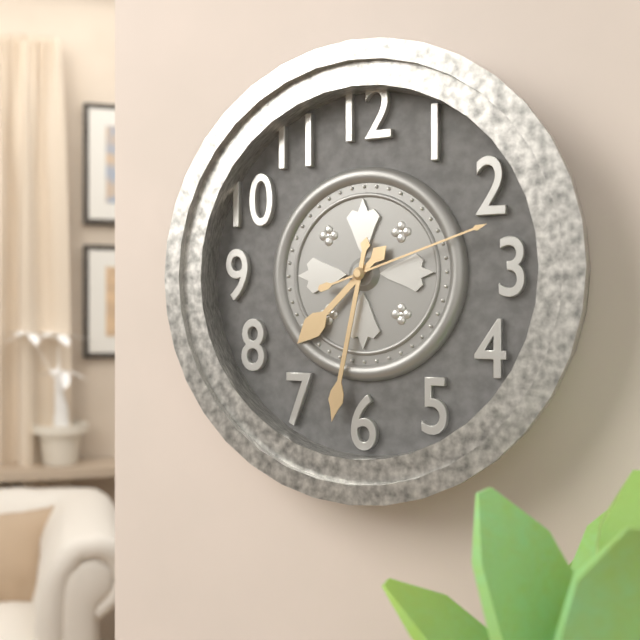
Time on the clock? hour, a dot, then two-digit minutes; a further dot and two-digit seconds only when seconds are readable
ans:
7.32.12
